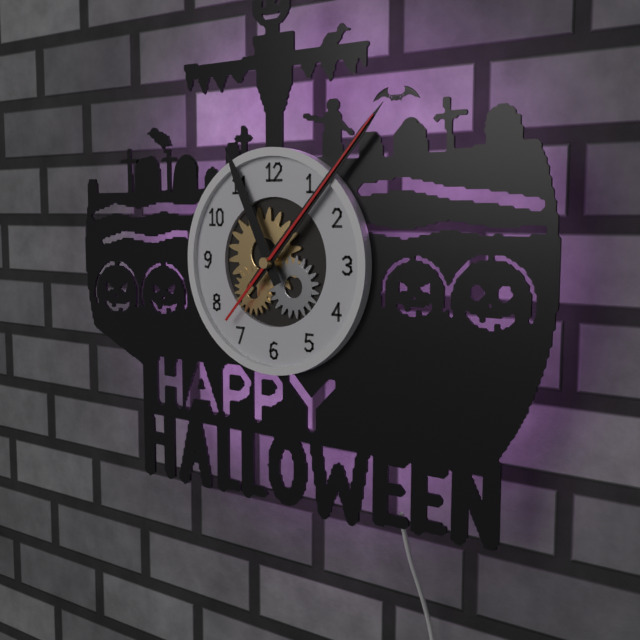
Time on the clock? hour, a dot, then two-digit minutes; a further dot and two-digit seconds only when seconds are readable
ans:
11.07.07
